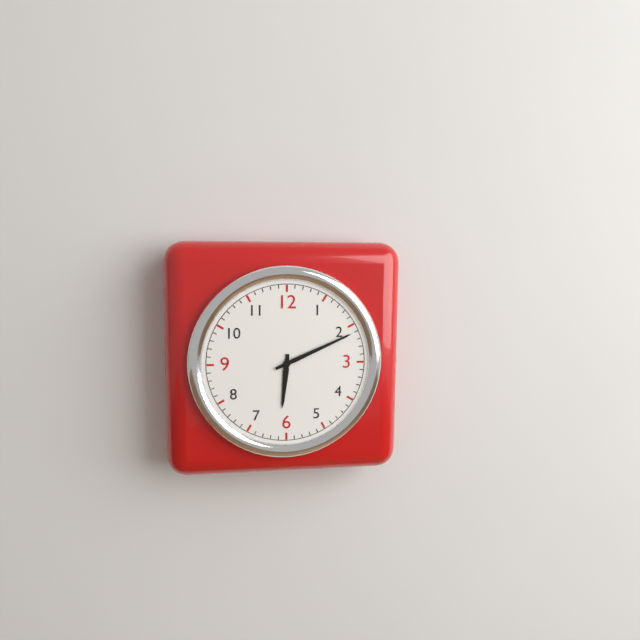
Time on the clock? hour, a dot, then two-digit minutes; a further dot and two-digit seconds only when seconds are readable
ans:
6.11
